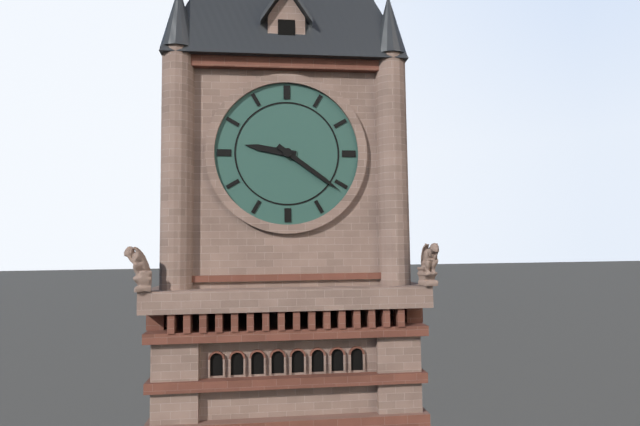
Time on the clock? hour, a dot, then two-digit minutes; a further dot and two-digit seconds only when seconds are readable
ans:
9.21
